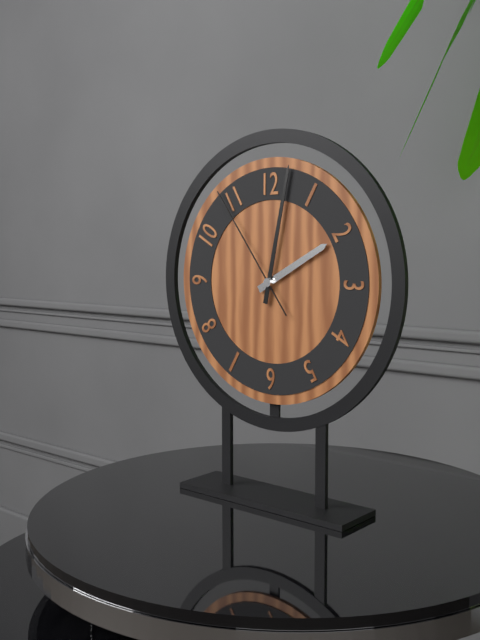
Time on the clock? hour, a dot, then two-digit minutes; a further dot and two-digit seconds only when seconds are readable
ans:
2.02.54
